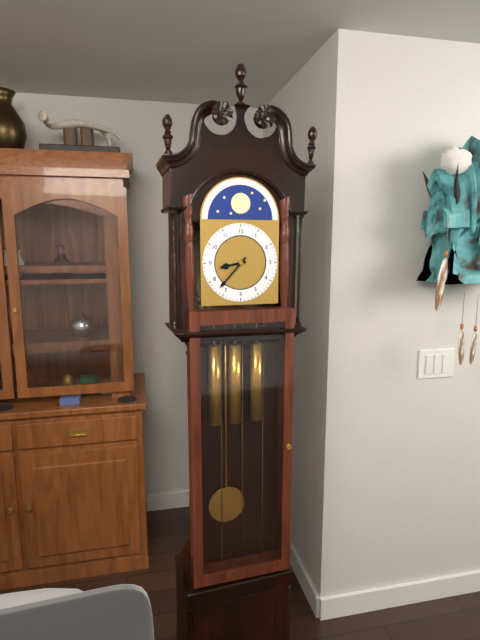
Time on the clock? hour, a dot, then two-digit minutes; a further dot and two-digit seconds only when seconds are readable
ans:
8.37
